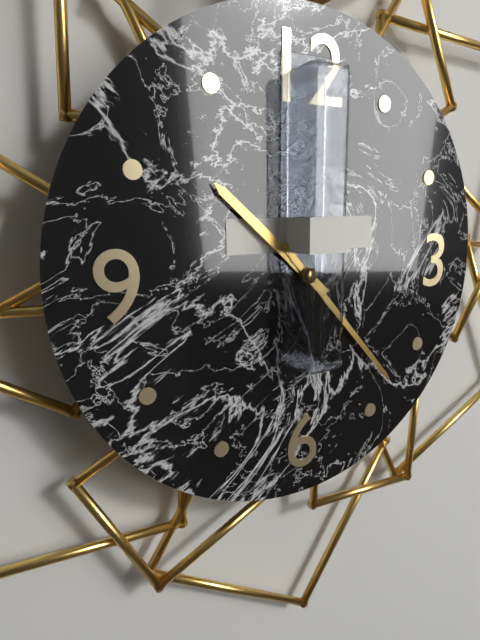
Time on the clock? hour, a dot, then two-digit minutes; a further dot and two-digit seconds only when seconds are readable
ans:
10.23
